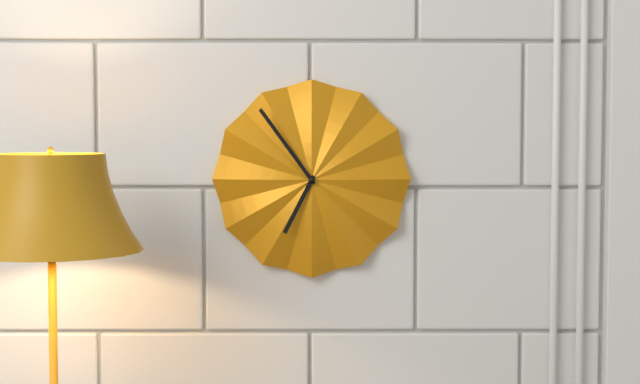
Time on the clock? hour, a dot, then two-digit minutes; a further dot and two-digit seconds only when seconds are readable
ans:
6.54
